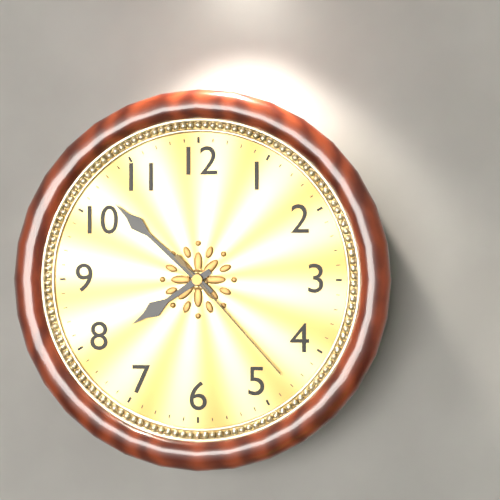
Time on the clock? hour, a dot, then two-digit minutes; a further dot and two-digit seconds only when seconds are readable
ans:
7.52.23
